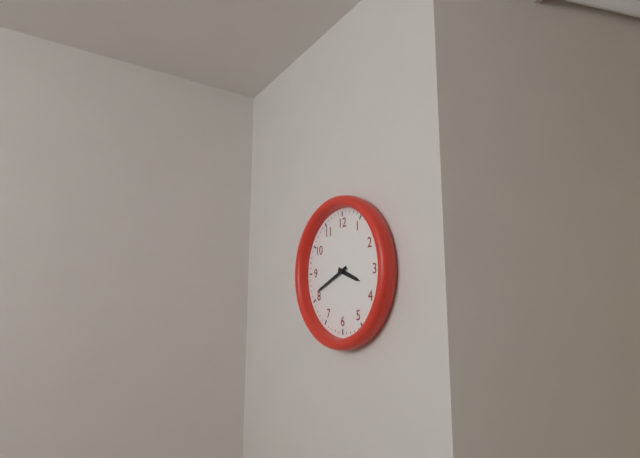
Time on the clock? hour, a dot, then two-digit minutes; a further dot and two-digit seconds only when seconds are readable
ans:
3.41
